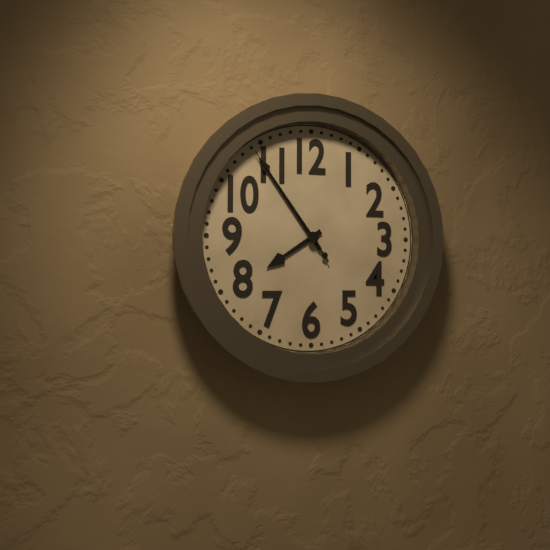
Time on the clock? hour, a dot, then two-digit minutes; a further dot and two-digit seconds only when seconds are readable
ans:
7.54.54
